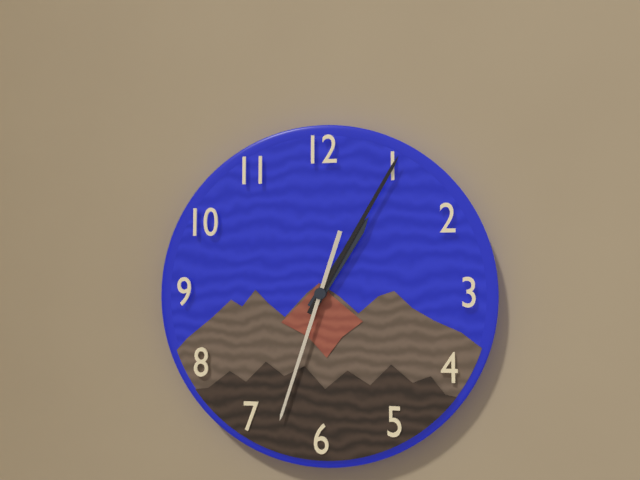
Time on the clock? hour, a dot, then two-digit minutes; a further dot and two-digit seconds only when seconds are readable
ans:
1.05.33
